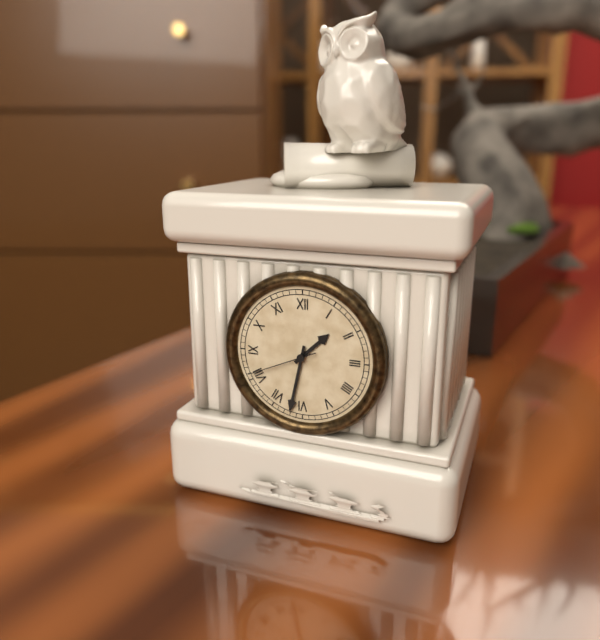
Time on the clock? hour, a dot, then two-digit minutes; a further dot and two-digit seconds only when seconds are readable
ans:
1.32.41
